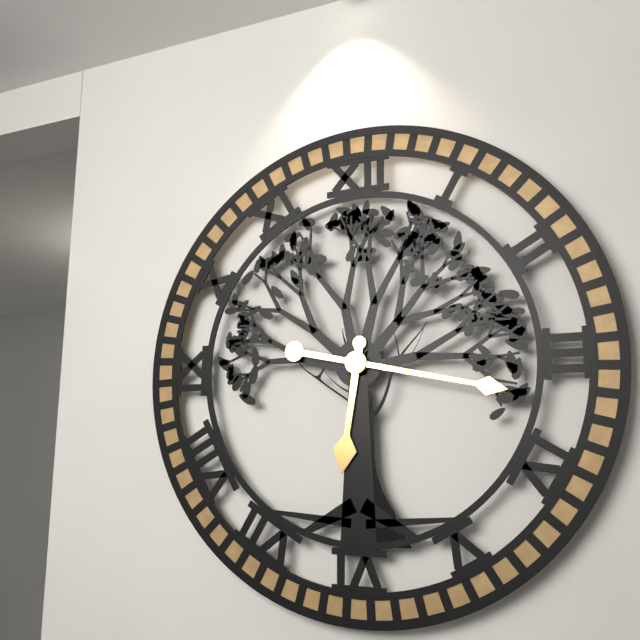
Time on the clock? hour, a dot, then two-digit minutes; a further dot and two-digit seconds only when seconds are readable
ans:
6.17
